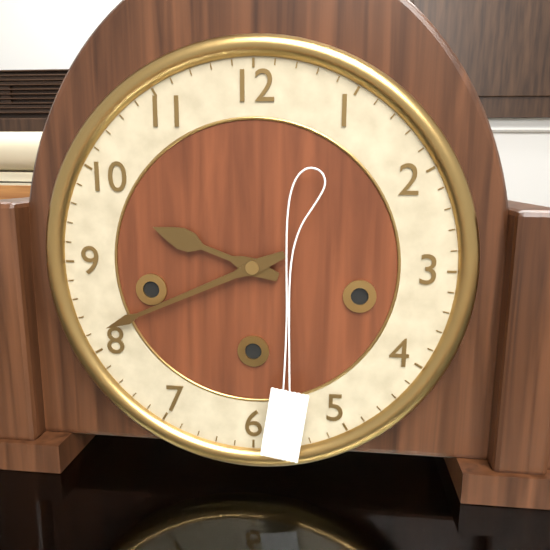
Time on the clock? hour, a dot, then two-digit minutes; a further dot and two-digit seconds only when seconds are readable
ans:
9.41
